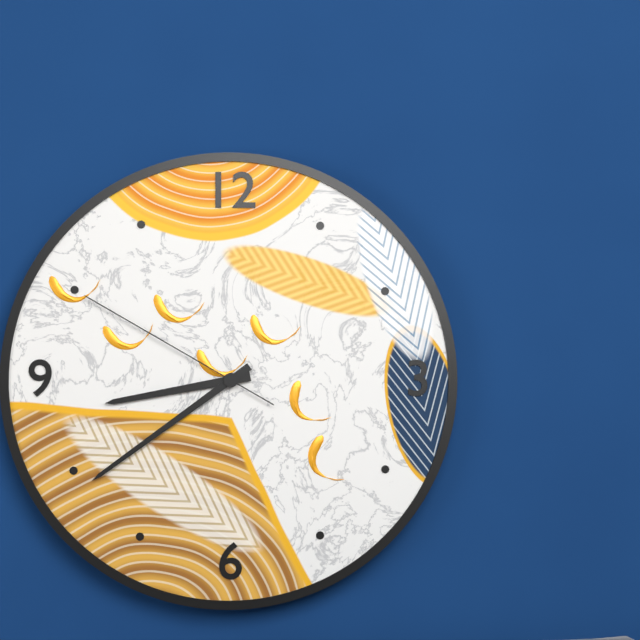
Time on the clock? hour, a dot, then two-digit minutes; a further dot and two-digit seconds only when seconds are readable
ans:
8.39.50
